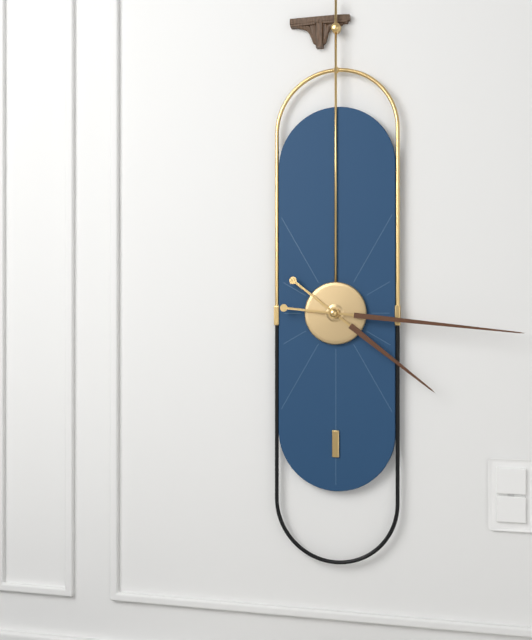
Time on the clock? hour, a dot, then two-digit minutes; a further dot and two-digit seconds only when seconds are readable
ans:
4.16
